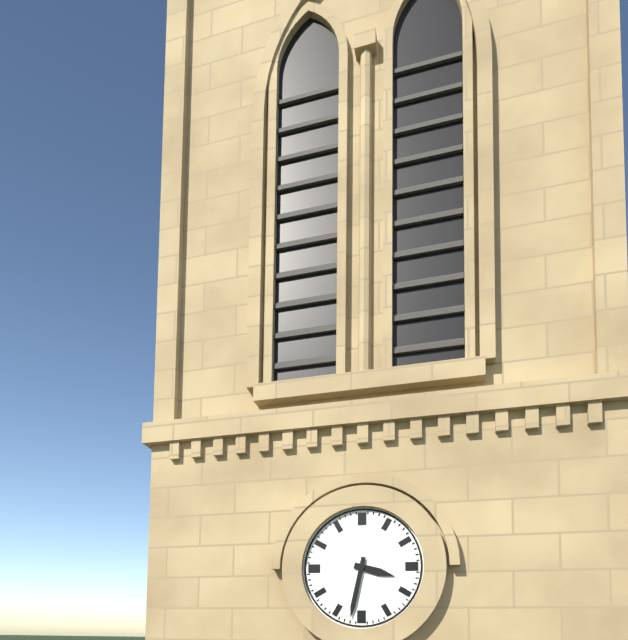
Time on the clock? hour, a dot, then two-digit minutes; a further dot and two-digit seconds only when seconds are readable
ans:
3.32
